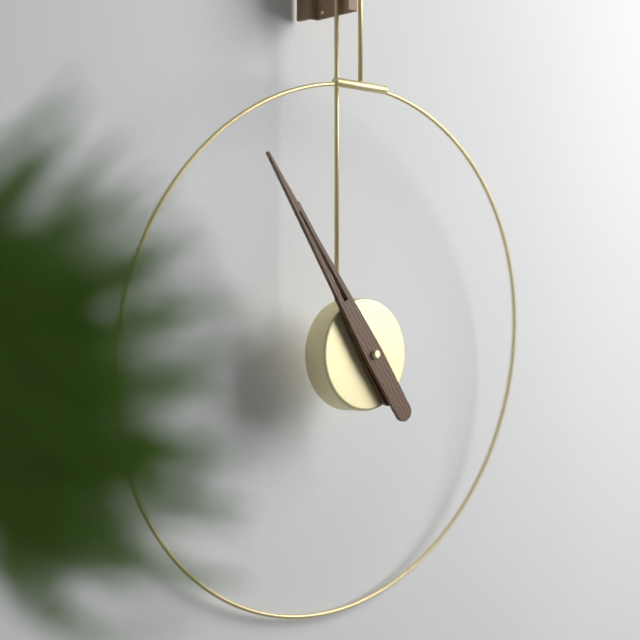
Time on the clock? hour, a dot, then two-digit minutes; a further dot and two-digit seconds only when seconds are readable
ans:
10.54
